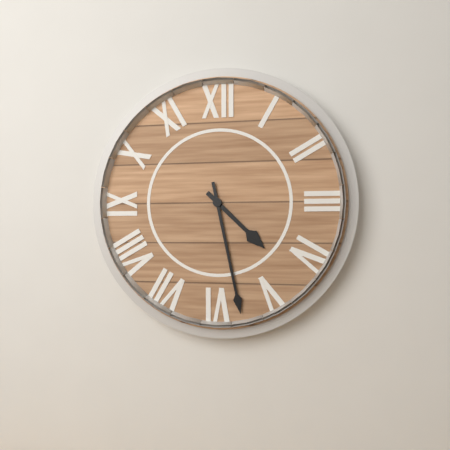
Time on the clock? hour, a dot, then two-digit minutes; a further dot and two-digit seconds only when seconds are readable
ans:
4.28
